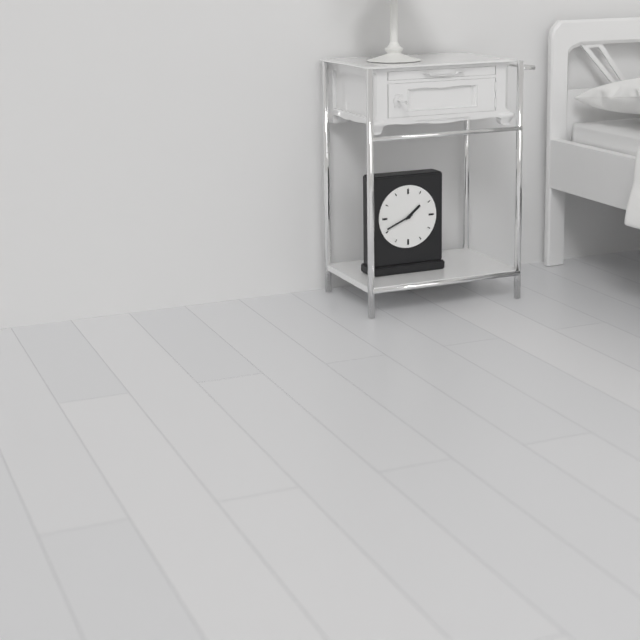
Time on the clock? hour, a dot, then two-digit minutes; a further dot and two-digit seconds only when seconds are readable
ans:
1.41
